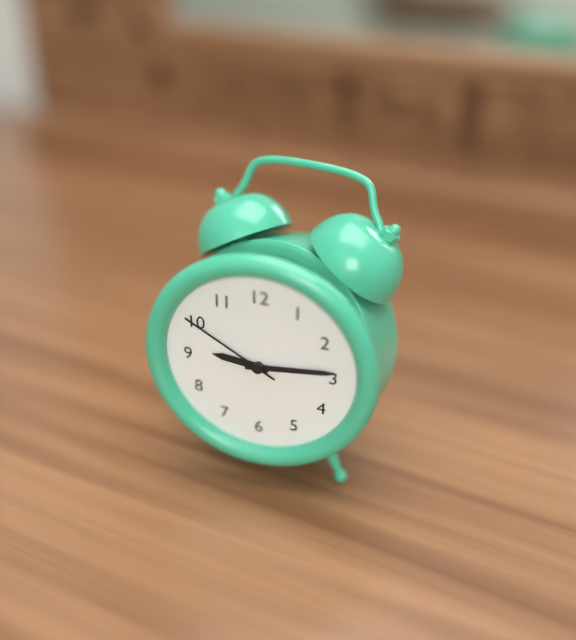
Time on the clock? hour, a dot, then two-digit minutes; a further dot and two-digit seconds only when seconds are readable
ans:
9.14.50
